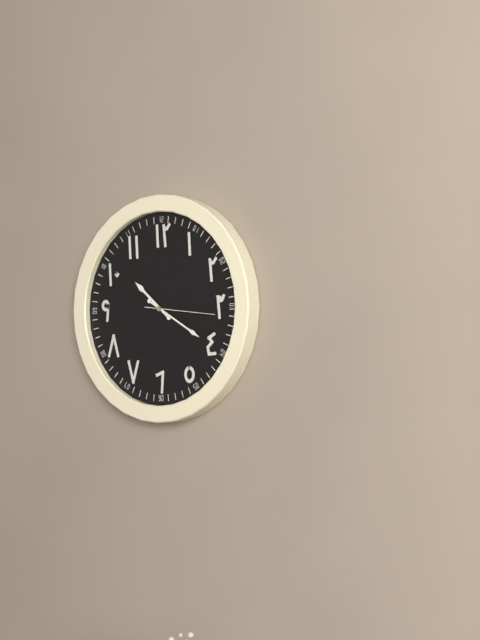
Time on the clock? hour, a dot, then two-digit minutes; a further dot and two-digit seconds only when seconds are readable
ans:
10.20.16
